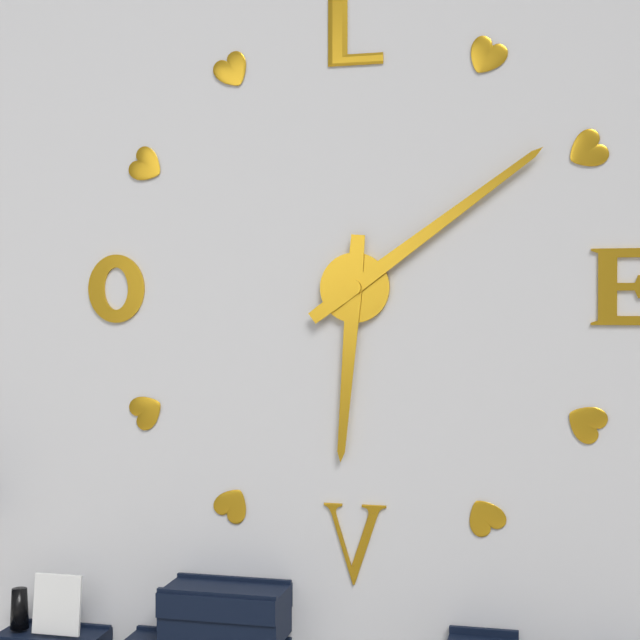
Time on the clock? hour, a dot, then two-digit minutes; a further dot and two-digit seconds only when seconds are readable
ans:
6.09
